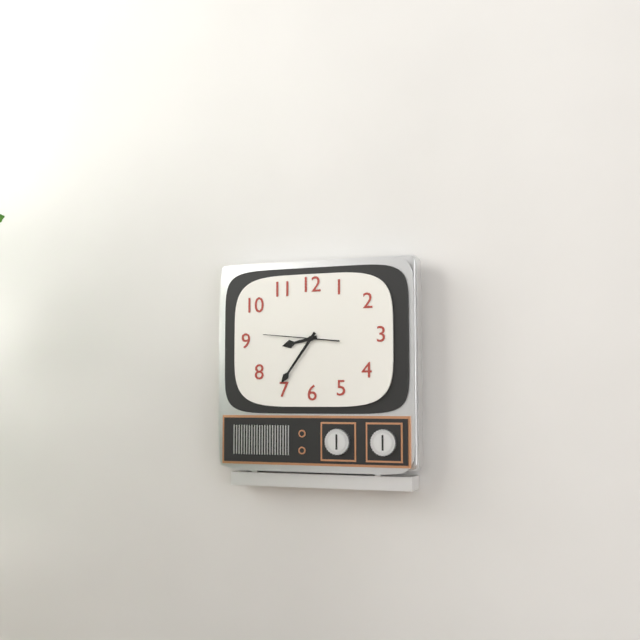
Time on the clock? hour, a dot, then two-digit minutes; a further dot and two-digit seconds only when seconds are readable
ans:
8.36.46
